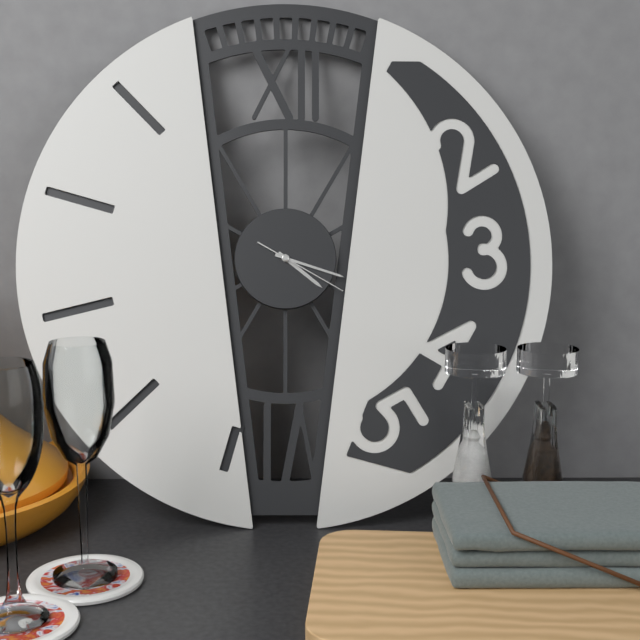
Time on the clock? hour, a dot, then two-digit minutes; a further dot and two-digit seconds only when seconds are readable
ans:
4.18.20
